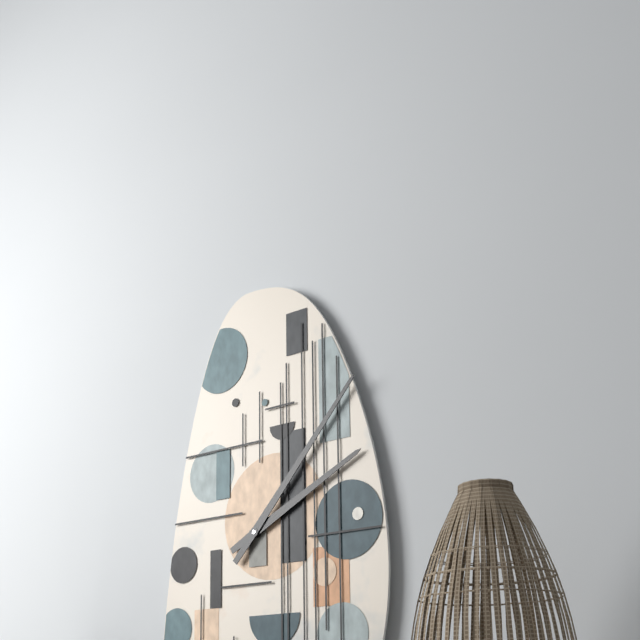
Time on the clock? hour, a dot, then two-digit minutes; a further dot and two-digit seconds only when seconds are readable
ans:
2.07
